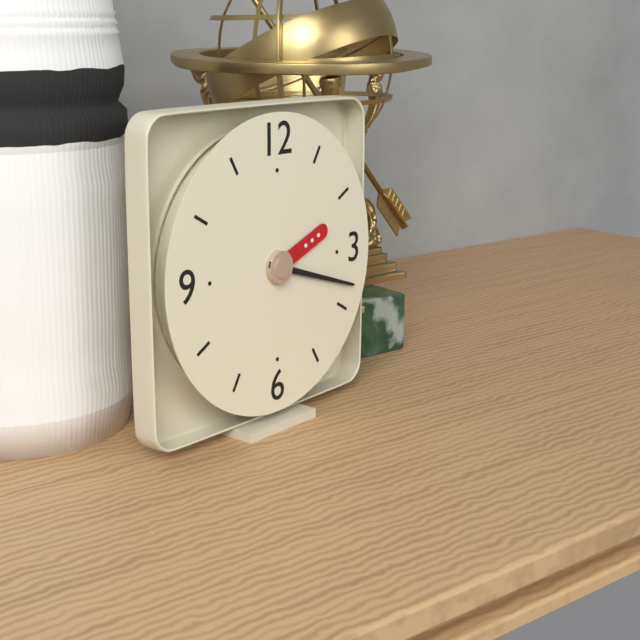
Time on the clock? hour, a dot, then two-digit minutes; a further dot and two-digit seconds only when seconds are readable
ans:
2.18
